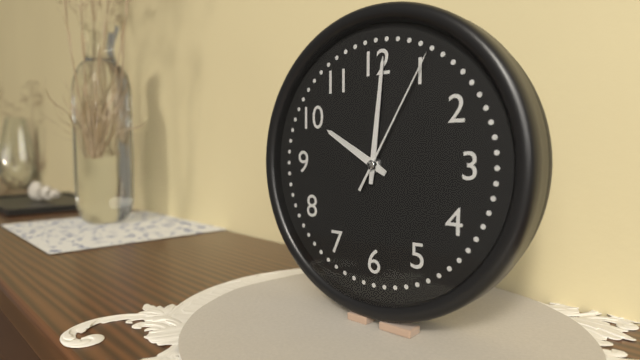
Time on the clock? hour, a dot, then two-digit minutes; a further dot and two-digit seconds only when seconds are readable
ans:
10.01.05
